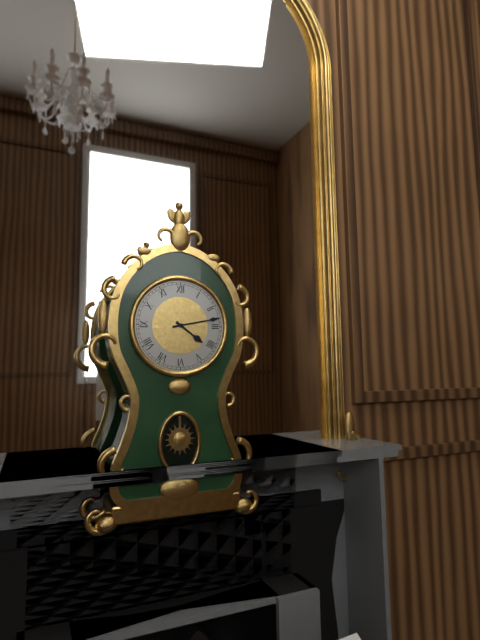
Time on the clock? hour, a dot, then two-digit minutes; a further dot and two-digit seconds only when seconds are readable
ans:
4.13
